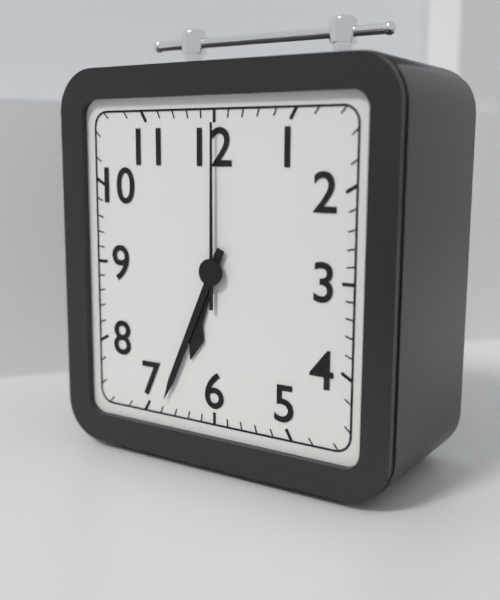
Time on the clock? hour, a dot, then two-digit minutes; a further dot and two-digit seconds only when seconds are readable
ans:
6.34.00
